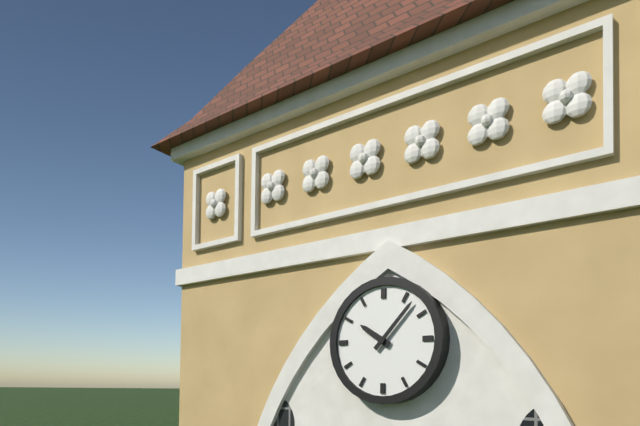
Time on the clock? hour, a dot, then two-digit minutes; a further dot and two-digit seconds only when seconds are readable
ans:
10.07
